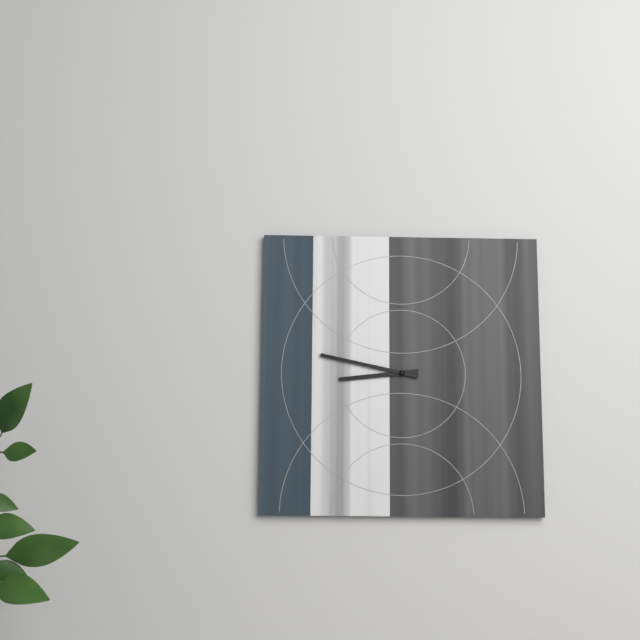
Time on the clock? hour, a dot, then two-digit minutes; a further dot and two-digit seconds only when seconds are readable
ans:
8.47
